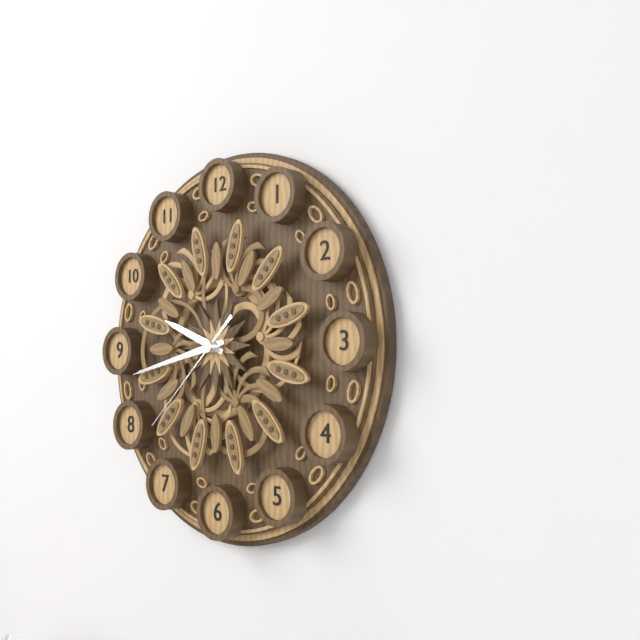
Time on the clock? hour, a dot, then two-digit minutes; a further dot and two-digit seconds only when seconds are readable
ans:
9.43.38
